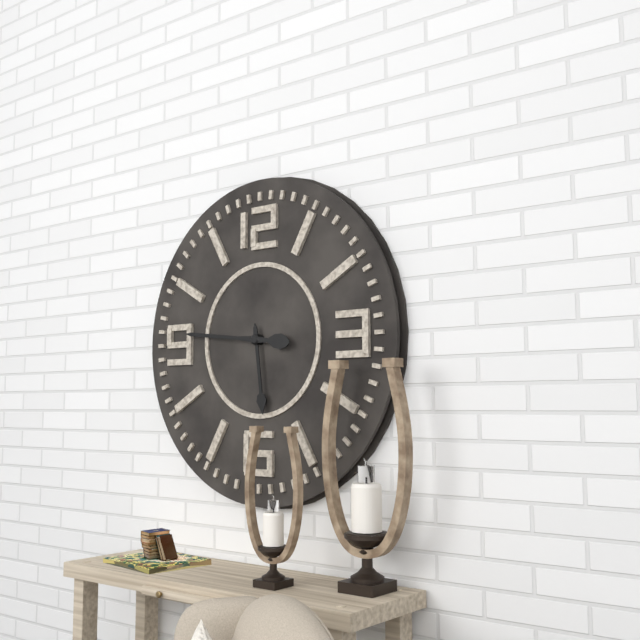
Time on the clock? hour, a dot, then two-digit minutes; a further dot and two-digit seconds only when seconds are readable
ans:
5.46
